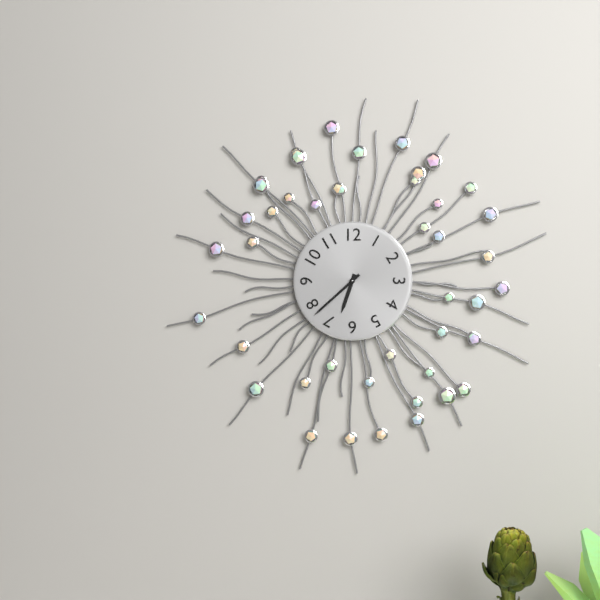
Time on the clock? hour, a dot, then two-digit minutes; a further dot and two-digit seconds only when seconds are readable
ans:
6.38
